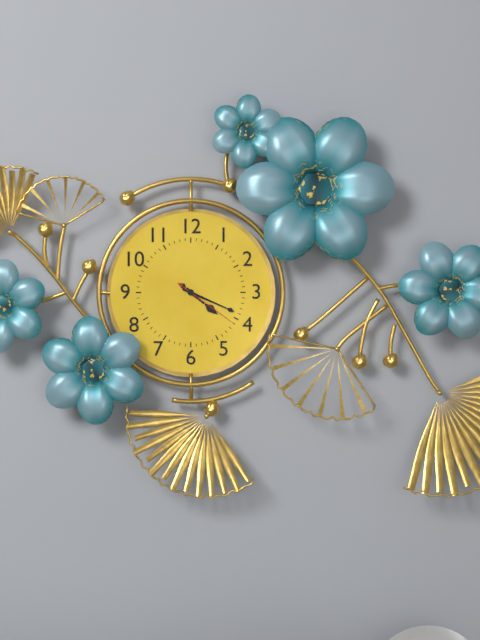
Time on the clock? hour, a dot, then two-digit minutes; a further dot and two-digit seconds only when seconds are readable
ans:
4.19.21
